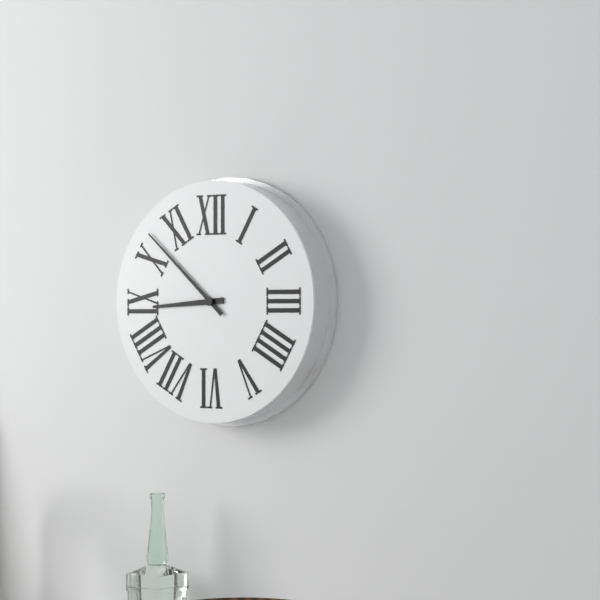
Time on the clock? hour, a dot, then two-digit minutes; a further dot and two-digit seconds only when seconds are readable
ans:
8.52
